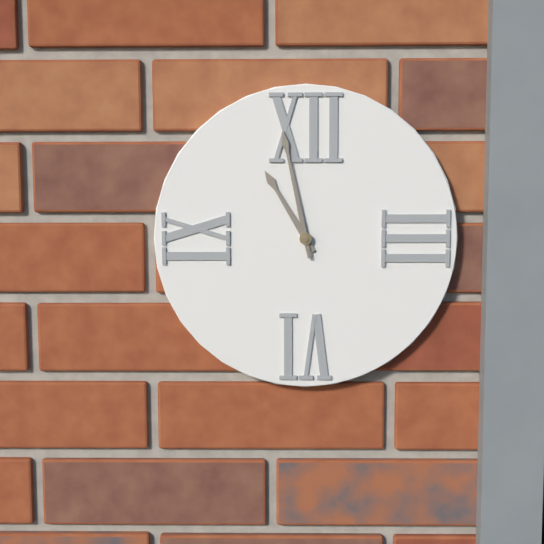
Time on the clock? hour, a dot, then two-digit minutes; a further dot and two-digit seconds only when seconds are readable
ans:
10.58
